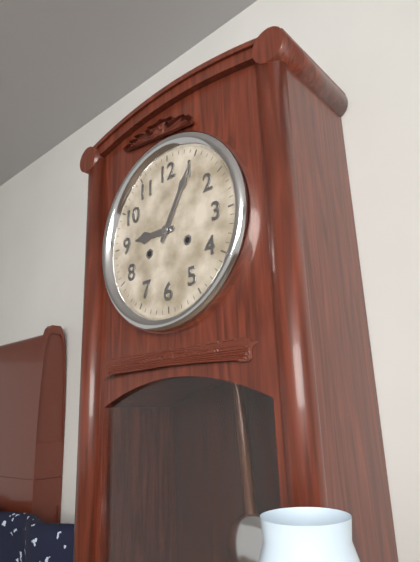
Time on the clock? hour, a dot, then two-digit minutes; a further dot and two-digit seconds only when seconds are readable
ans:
9.05
